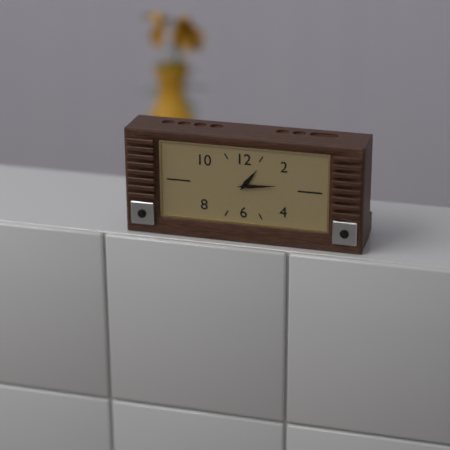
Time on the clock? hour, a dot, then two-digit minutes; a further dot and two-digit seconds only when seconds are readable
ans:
1.14
